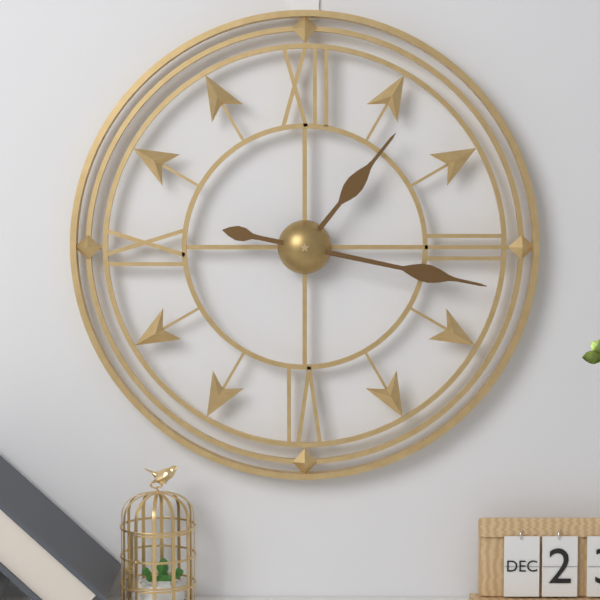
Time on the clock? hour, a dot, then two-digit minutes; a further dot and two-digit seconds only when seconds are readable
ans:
1.17
